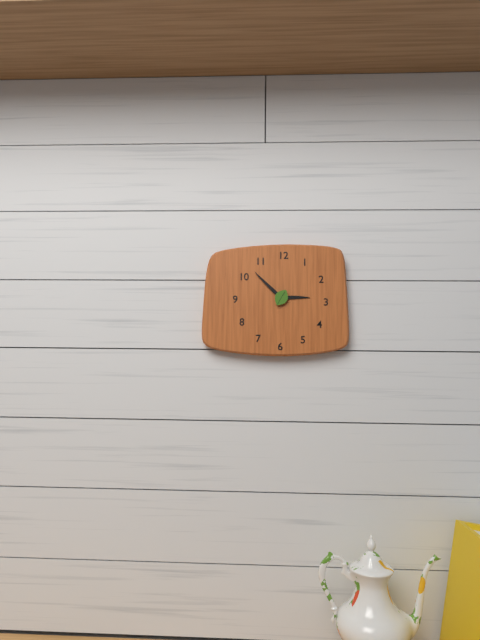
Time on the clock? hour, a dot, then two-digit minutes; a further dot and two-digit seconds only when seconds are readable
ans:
2.52
